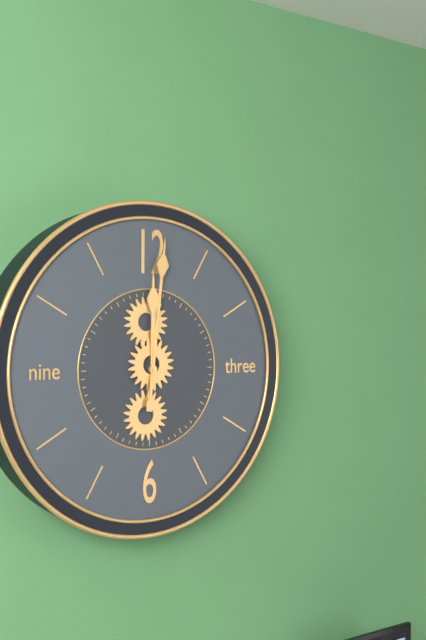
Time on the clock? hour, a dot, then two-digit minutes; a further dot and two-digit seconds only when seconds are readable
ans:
12.01
